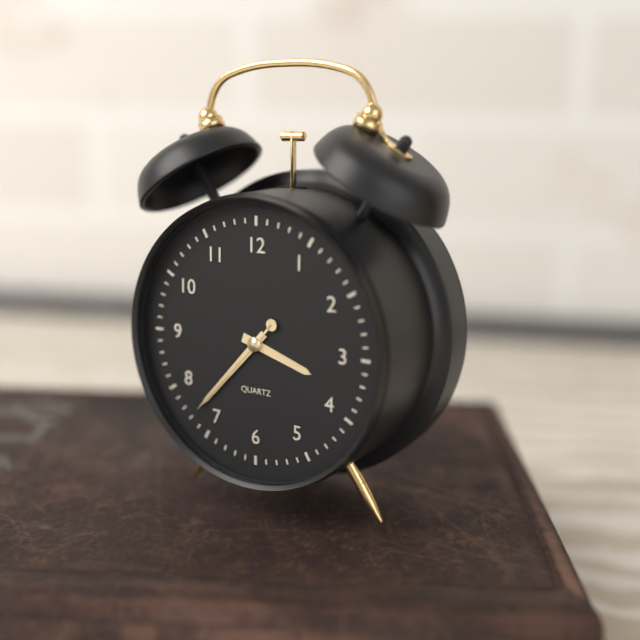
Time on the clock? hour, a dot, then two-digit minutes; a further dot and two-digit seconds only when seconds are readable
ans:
3.37.37
